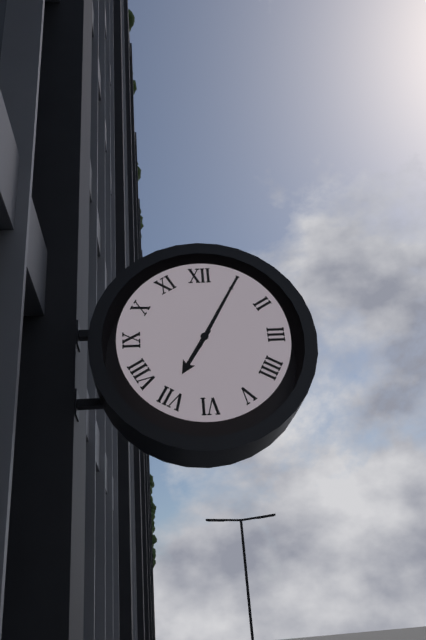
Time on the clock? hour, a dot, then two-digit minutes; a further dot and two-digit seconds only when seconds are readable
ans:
7.05
